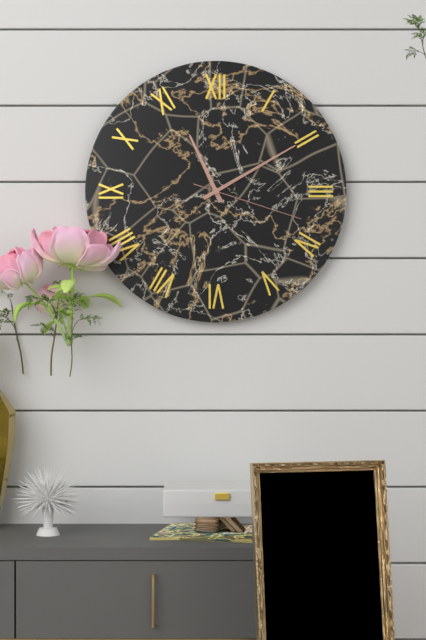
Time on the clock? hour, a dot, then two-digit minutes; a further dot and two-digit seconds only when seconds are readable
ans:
11.10.18
